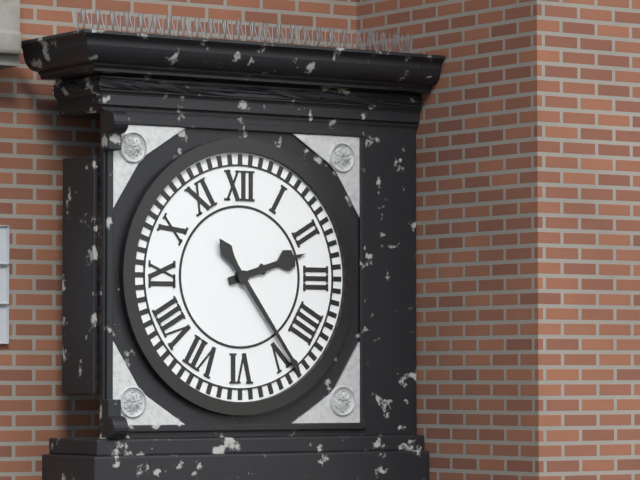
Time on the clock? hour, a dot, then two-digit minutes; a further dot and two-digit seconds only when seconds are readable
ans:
2.24
